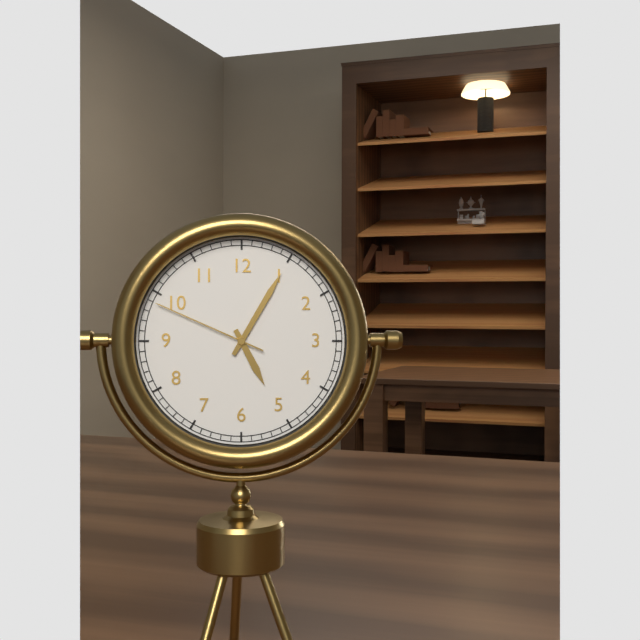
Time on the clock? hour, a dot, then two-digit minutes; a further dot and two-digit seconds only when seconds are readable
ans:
5.05.49
